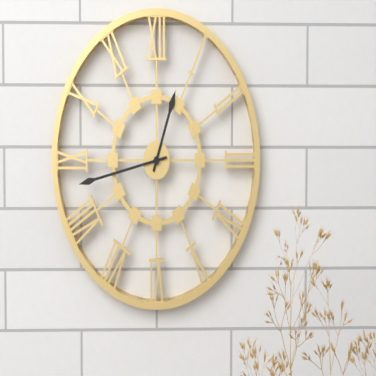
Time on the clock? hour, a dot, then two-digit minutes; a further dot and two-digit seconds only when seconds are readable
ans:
12.43
